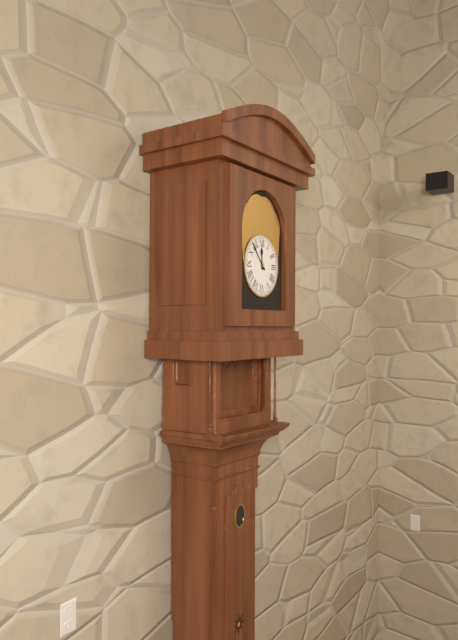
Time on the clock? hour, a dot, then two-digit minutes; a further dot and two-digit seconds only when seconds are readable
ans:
11.53
